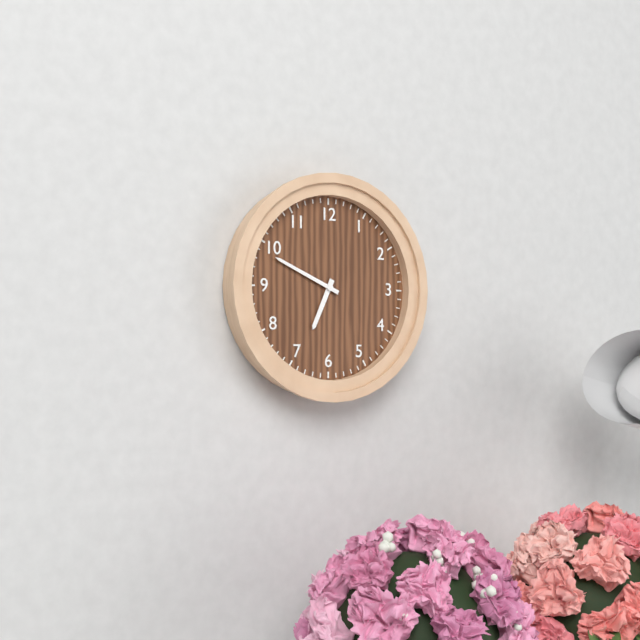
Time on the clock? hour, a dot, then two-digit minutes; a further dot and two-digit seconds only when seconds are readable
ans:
6.49
